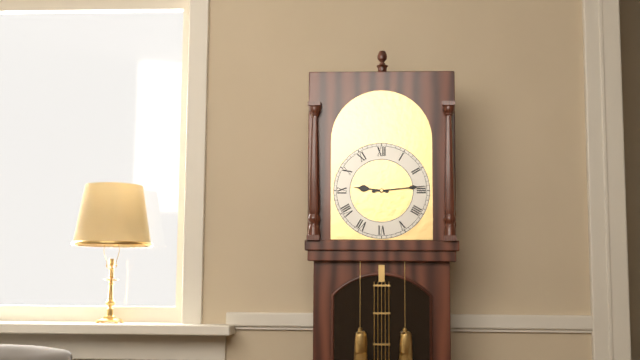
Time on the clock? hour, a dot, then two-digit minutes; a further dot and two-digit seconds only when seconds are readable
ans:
9.14
